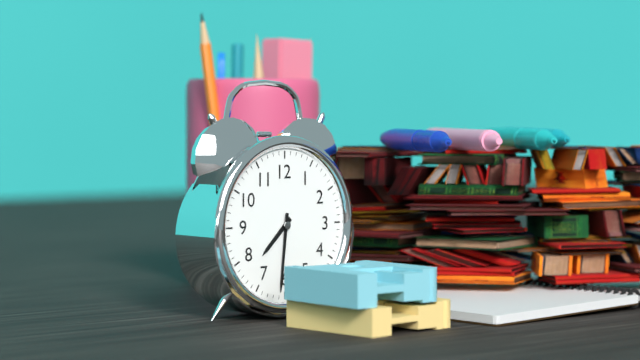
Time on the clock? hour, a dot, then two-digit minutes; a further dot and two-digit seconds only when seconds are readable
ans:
7.31
